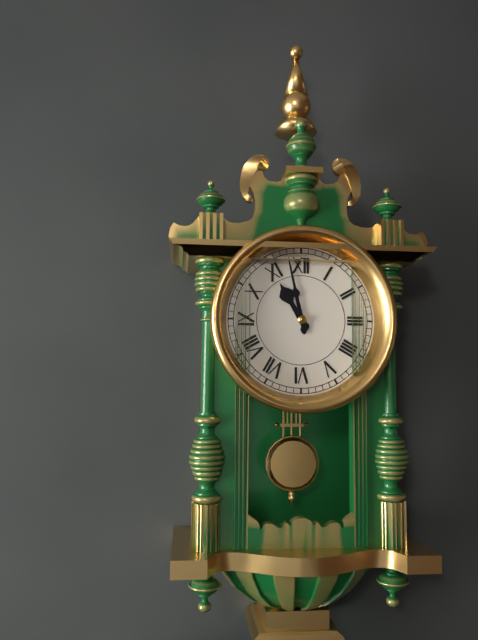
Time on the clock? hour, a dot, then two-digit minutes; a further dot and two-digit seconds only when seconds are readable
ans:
10.58
